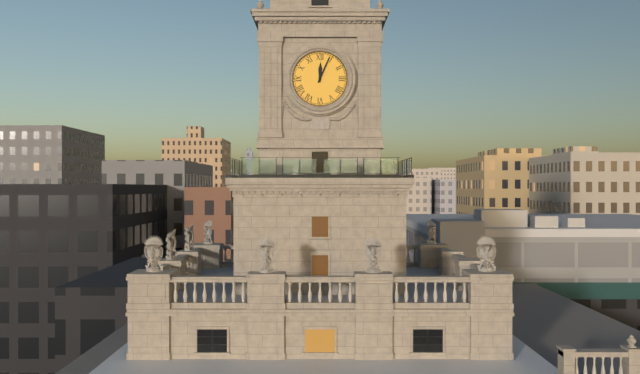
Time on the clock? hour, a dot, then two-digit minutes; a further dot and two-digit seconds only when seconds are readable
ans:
12.04
